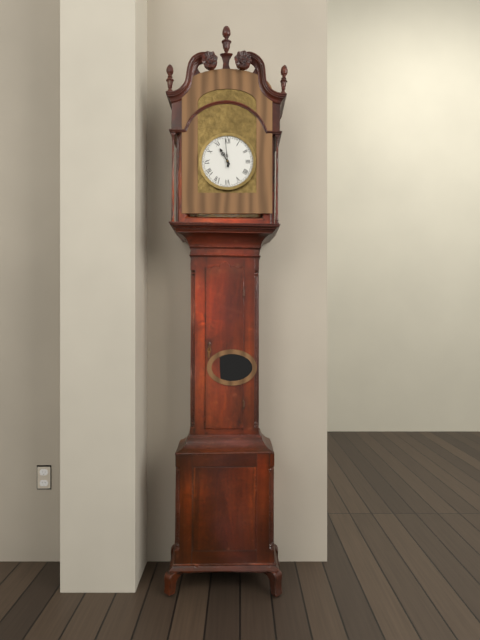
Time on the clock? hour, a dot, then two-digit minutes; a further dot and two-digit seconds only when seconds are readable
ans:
10.59
